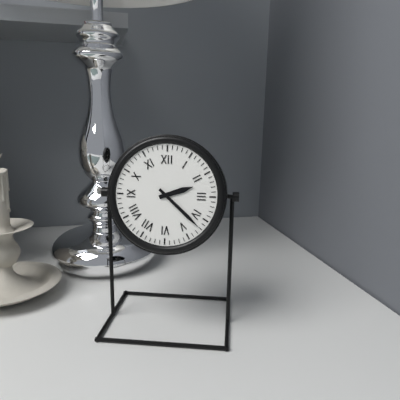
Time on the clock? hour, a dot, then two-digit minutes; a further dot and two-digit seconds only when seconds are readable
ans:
2.22
